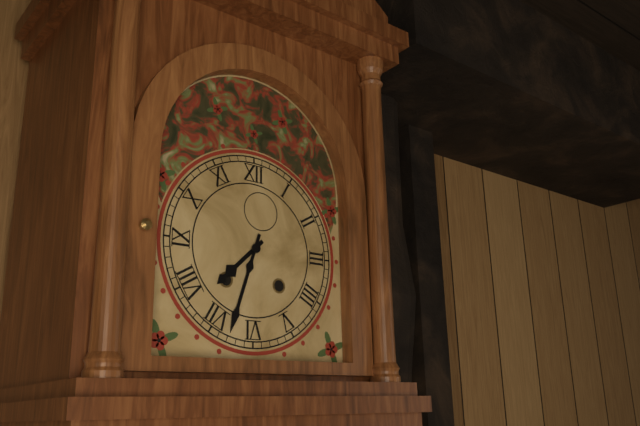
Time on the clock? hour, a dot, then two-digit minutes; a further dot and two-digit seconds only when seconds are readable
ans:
7.33
